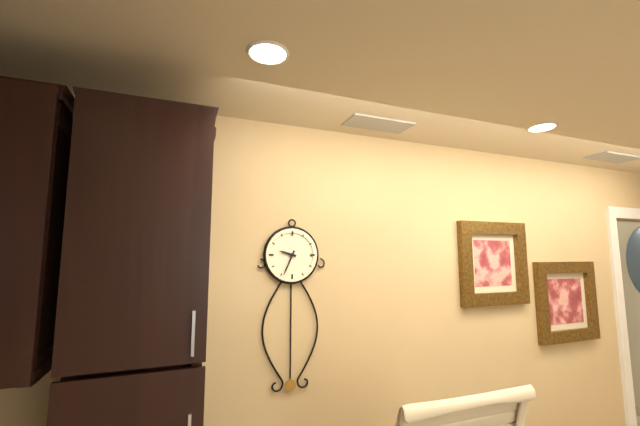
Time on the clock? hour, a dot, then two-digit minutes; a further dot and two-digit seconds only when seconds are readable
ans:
9.34
